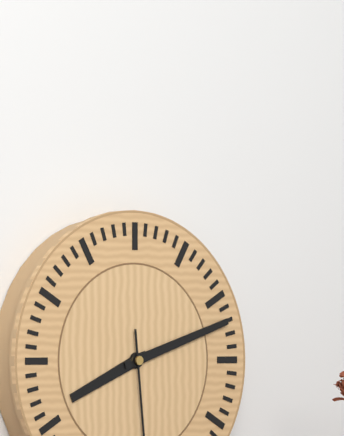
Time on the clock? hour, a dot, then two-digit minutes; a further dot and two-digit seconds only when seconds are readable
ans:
8.12
